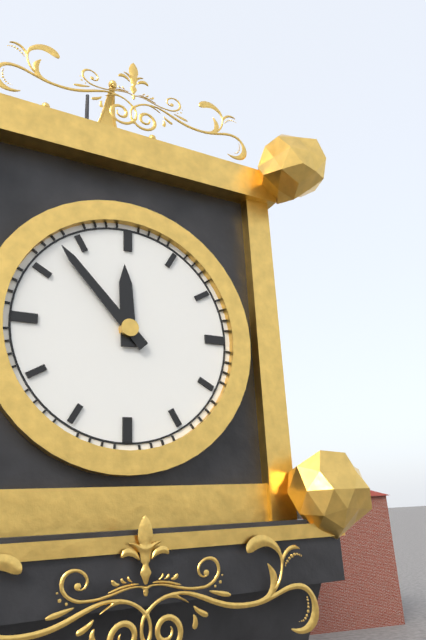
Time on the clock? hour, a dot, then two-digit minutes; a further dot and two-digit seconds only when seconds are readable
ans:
11.53
